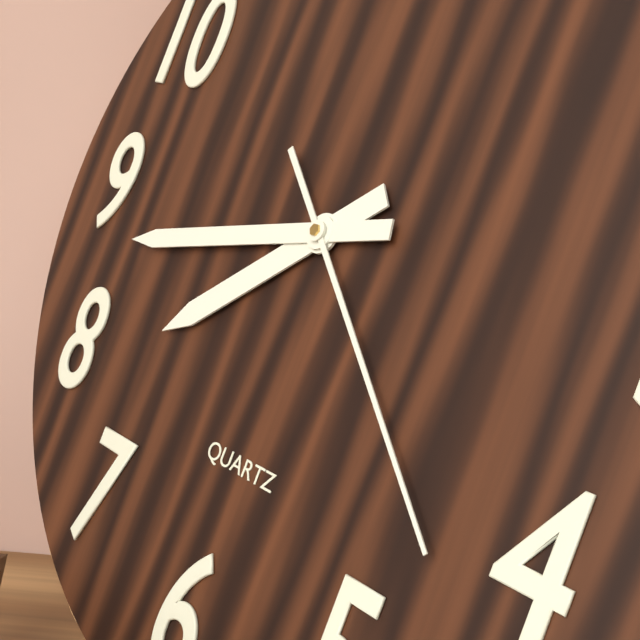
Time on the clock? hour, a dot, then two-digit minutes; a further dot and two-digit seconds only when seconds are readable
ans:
7.43.22
